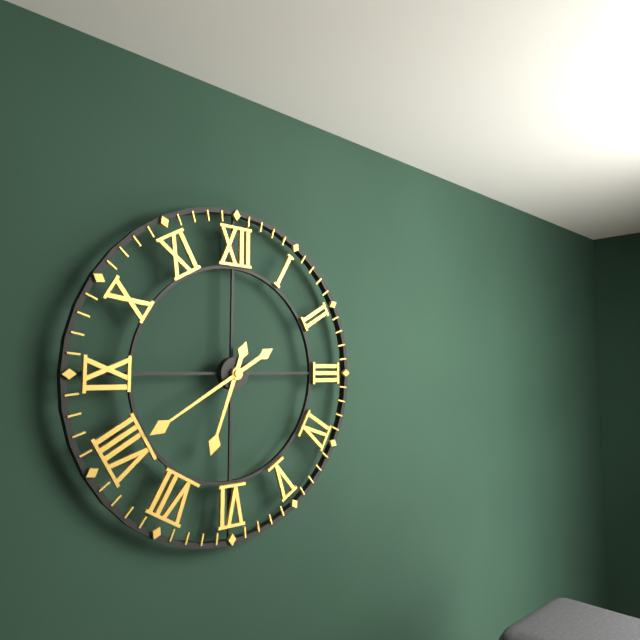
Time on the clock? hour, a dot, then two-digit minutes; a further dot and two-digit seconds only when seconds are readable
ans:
6.40
